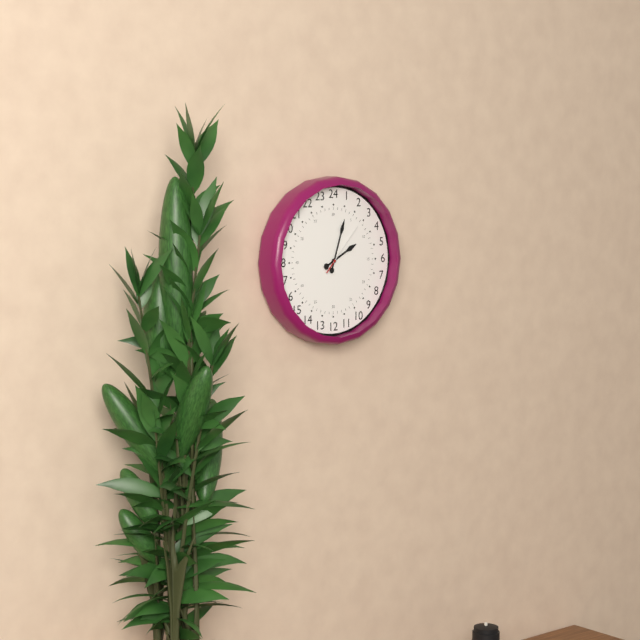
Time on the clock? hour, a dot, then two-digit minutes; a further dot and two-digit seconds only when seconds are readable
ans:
2.03.07
